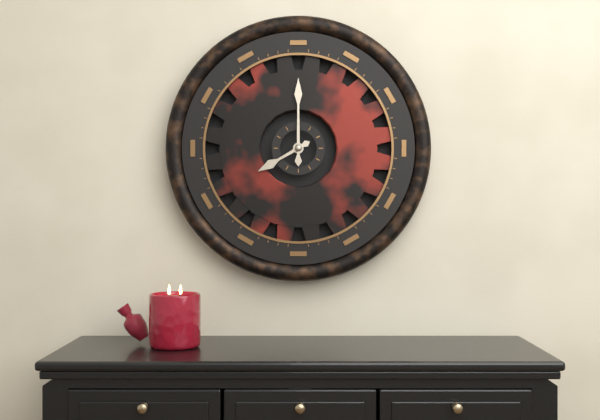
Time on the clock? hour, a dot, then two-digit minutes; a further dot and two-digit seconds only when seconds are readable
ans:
8.00
